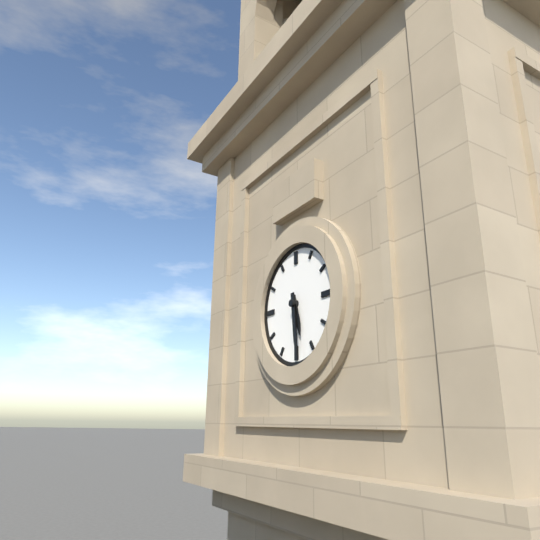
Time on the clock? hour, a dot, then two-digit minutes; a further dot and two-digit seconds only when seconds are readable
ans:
5.29
